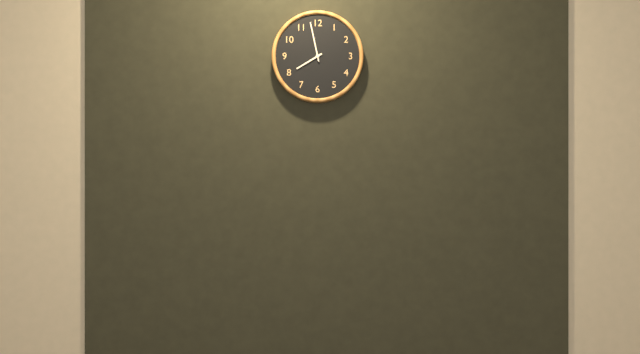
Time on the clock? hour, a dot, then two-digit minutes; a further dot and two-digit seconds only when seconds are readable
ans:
7.58
